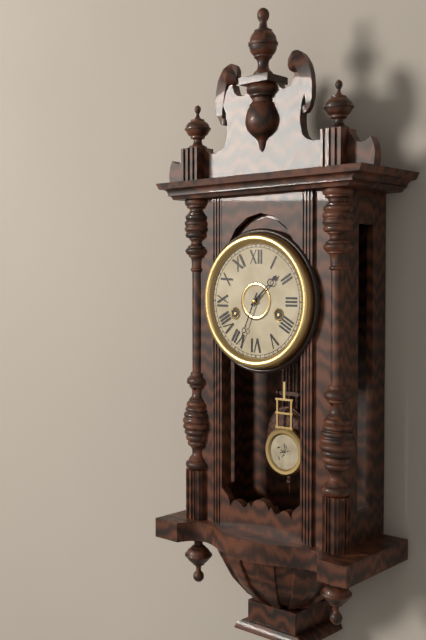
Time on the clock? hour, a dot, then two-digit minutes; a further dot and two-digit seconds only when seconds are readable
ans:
1.34
